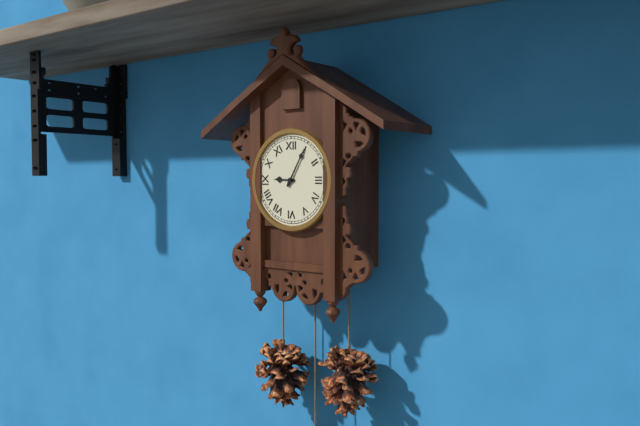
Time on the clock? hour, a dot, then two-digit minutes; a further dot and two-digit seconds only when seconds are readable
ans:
9.05
